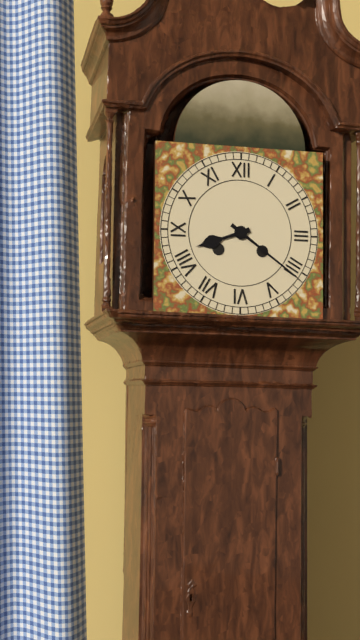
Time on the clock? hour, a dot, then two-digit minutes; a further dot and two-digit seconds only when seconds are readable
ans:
8.21
